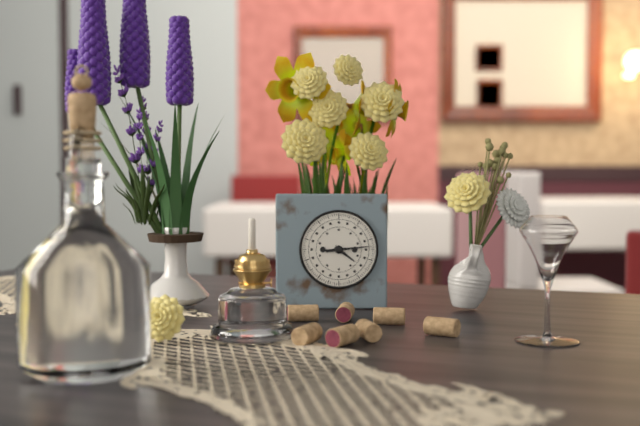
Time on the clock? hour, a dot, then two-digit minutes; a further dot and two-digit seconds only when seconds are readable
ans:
4.14
